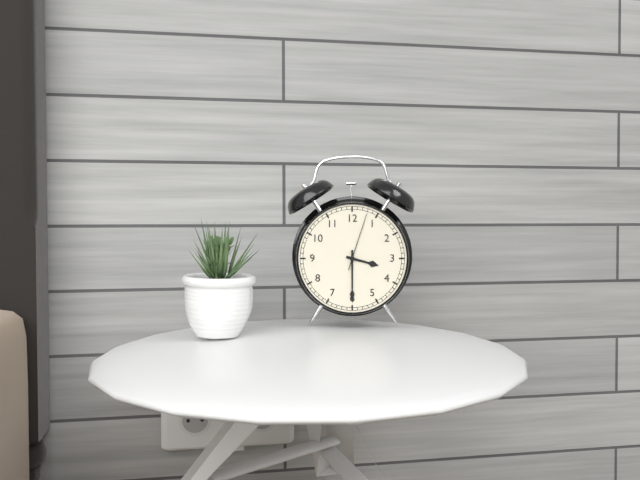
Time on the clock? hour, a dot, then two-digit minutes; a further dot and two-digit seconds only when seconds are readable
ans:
3.30.03
